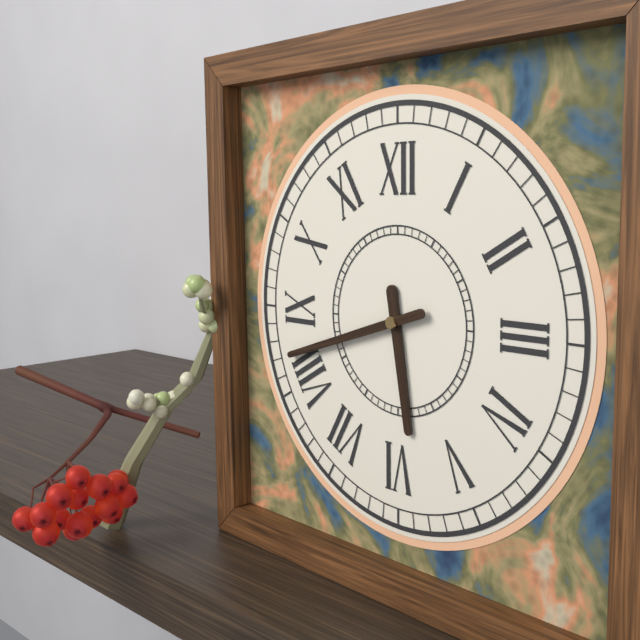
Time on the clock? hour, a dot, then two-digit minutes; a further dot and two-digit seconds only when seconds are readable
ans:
5.42
